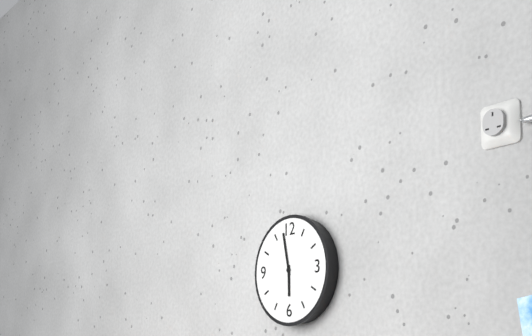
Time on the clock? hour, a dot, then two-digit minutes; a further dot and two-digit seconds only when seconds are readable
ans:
5.58
